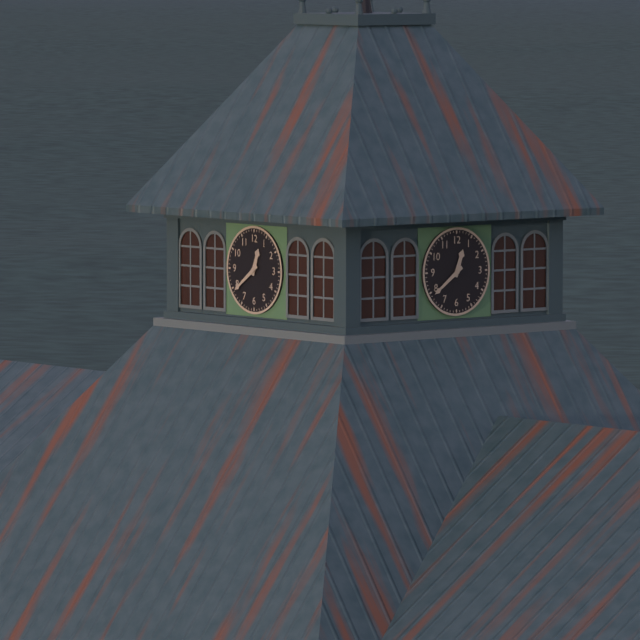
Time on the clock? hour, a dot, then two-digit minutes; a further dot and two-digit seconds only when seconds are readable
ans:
12.39
